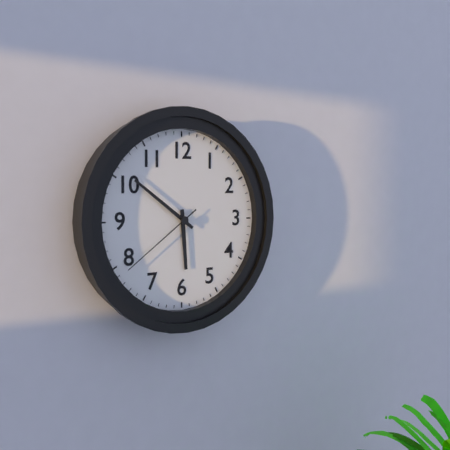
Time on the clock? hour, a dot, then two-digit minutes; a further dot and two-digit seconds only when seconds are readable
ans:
5.51.39
